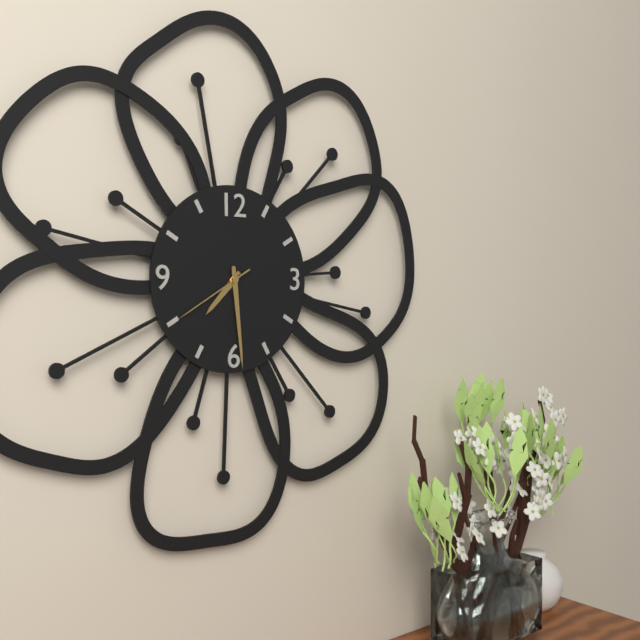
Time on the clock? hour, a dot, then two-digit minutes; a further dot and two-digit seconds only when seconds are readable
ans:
7.29.40
